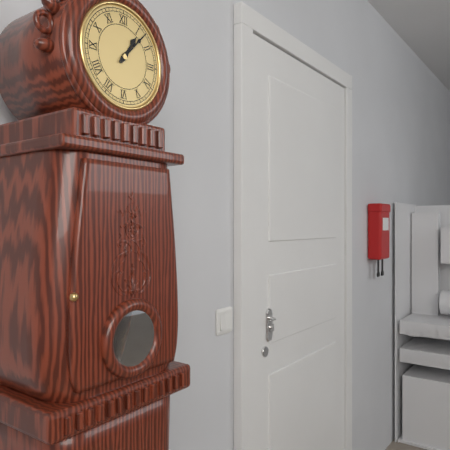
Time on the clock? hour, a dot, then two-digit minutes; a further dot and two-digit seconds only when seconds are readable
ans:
1.07
